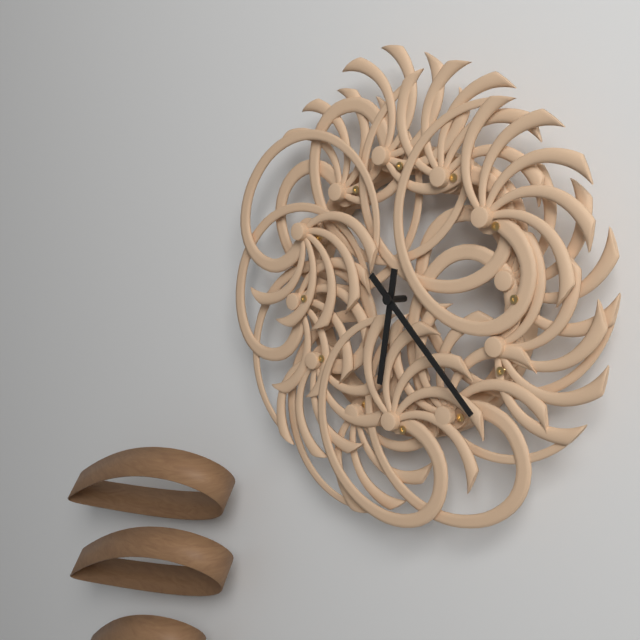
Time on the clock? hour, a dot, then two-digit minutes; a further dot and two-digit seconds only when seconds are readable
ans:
6.23
